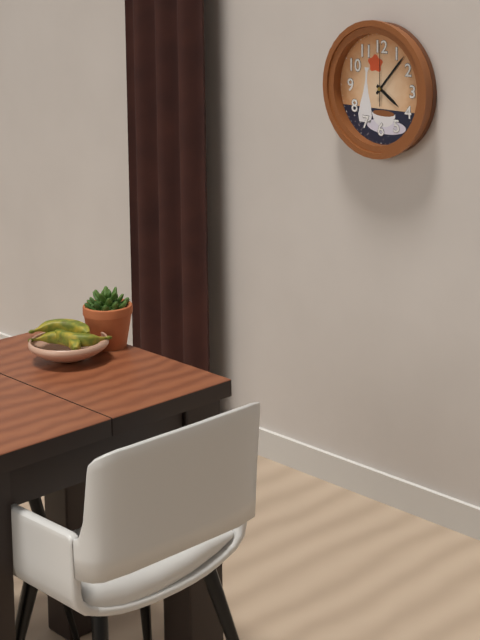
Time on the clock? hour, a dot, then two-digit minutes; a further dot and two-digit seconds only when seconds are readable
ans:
4.07.00
